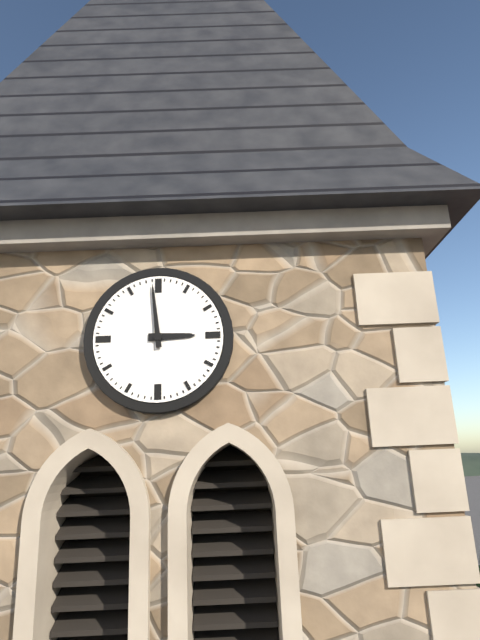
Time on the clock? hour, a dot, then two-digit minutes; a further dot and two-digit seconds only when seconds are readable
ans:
2.59
